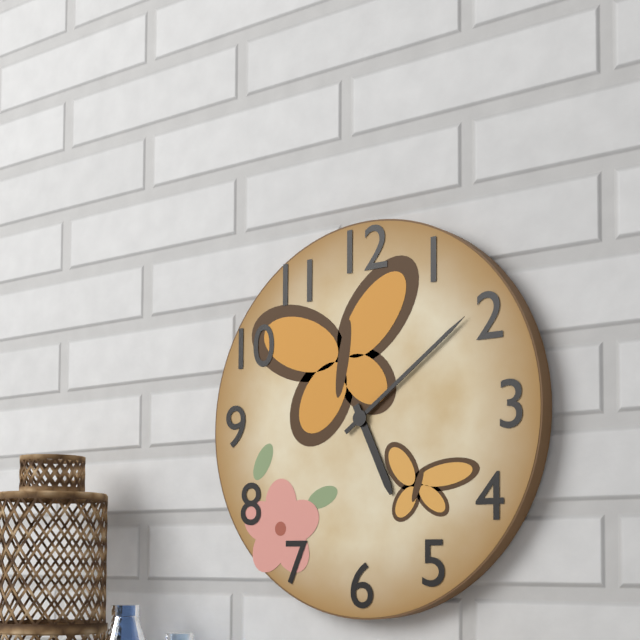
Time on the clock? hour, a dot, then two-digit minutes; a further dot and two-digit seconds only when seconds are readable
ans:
5.09
